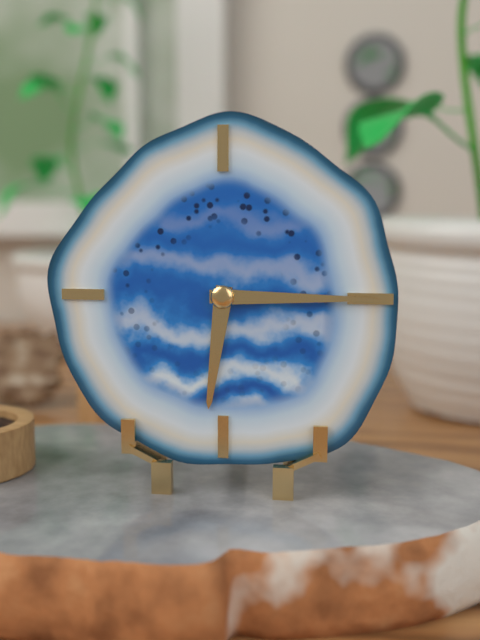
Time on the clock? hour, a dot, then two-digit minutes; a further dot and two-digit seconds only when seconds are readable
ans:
6.15
